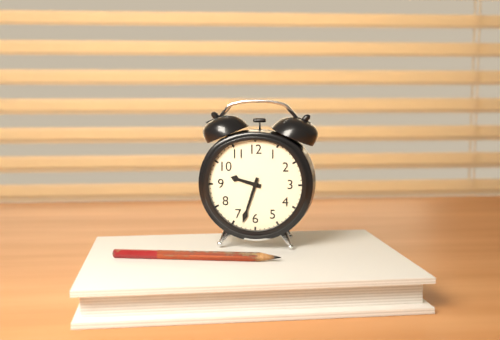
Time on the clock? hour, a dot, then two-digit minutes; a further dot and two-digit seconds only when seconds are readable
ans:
9.33
